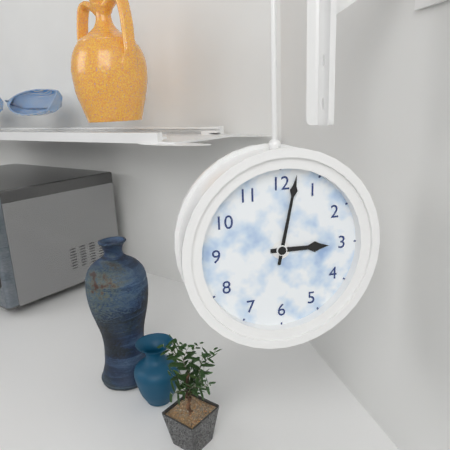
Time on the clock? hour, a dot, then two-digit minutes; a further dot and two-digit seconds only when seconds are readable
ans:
3.02
